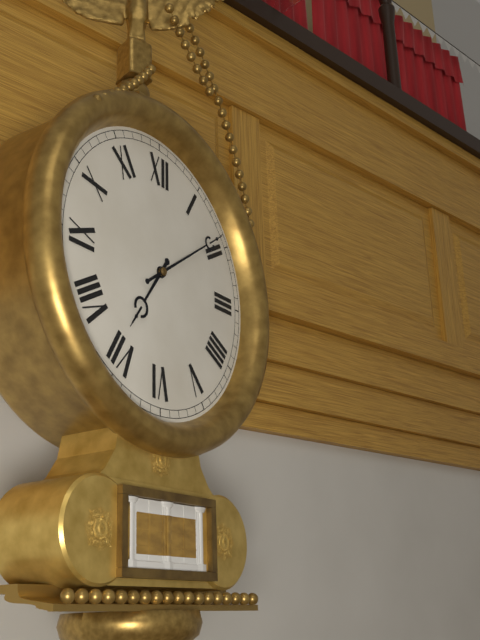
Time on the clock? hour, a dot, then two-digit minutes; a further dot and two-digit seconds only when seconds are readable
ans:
7.09
